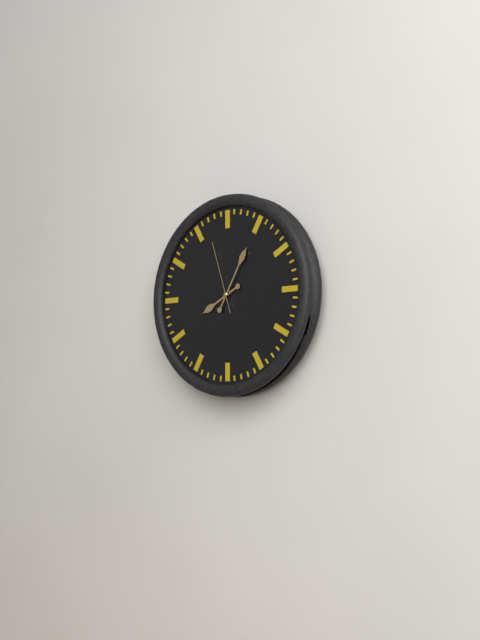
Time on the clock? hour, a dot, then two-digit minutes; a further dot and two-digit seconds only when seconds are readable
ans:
8.05.57
